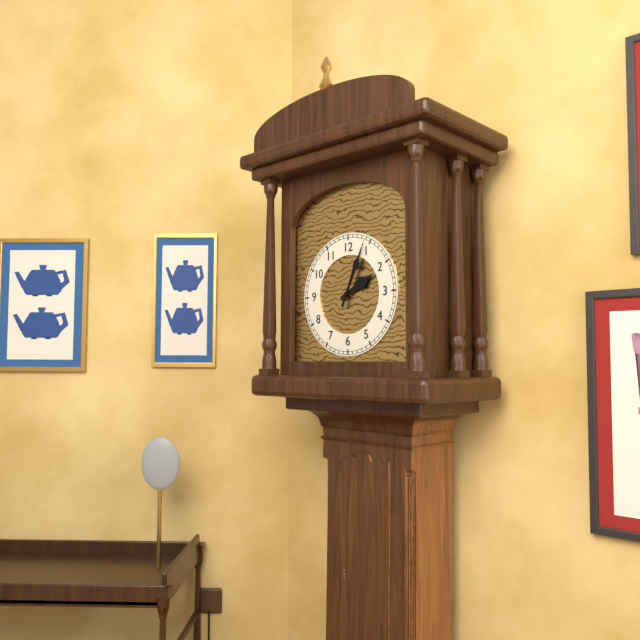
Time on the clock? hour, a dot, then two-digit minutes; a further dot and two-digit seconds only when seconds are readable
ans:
2.04
